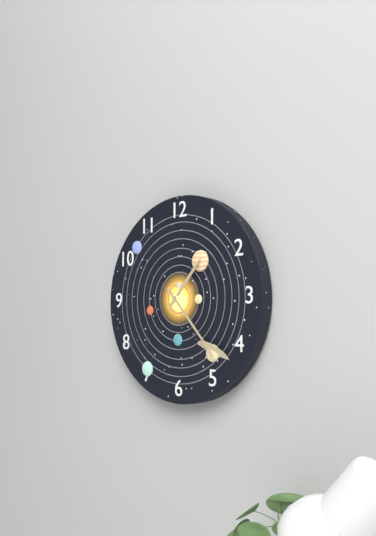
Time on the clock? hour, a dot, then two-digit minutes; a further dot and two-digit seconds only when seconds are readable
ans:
1.23
